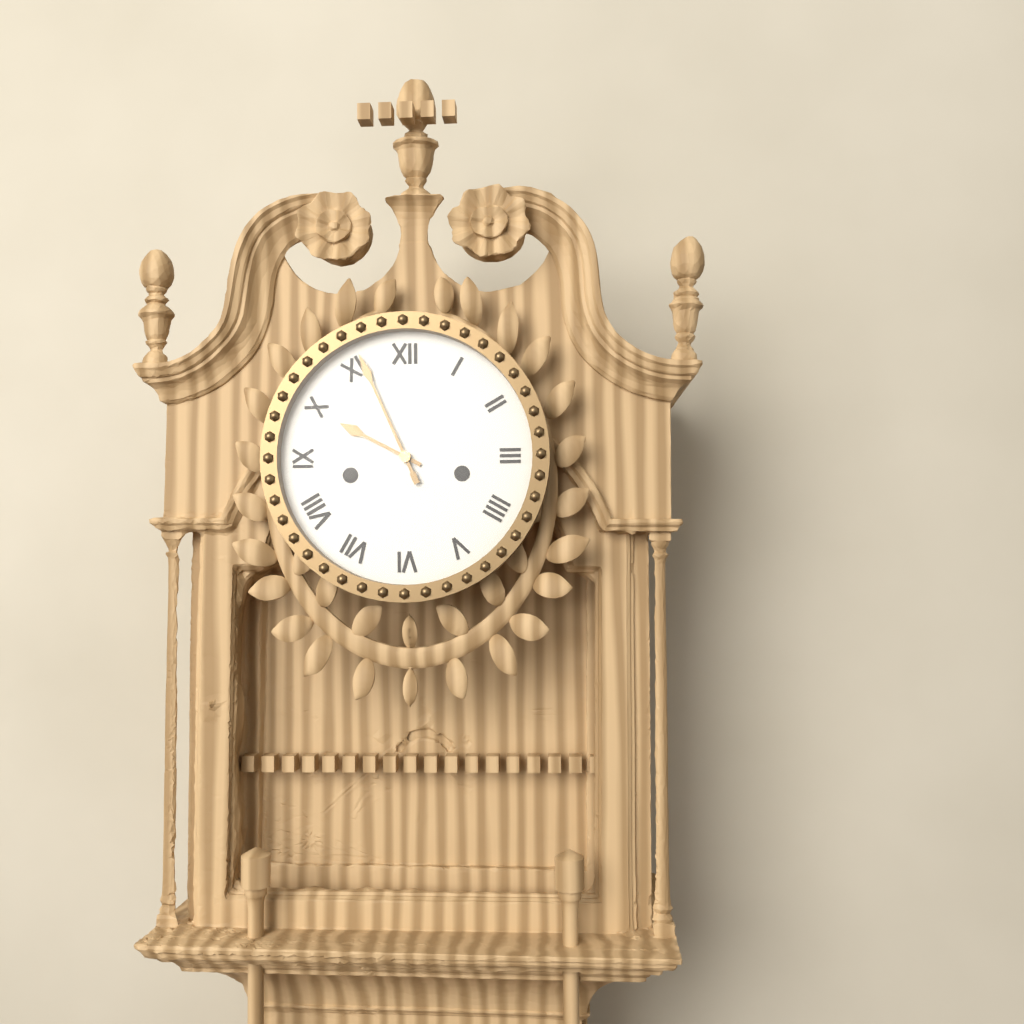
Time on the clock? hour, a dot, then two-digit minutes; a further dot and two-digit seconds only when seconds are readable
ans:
9.56
